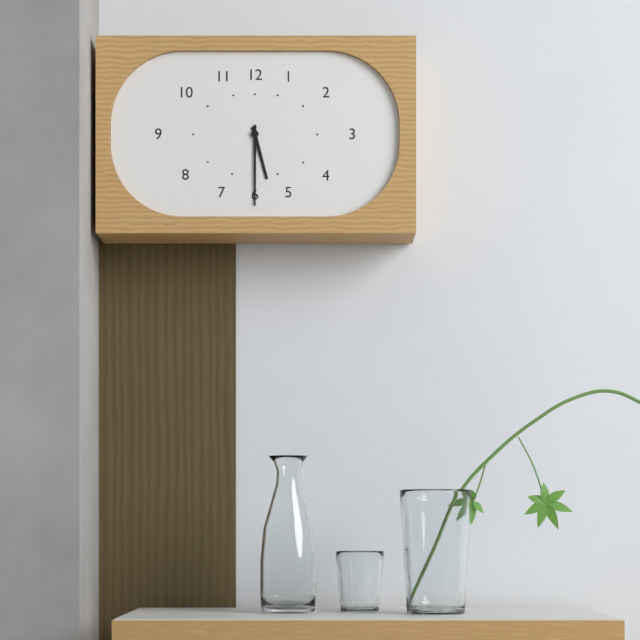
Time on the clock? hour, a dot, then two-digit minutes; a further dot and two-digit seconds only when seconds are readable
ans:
5.30
